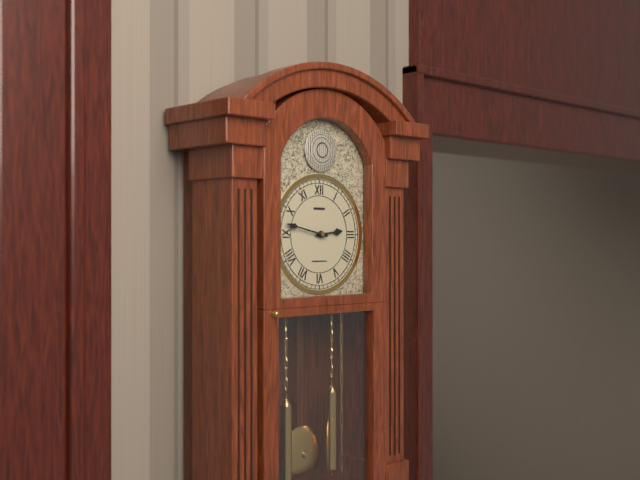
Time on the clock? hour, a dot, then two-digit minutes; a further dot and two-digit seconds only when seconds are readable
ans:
2.47
